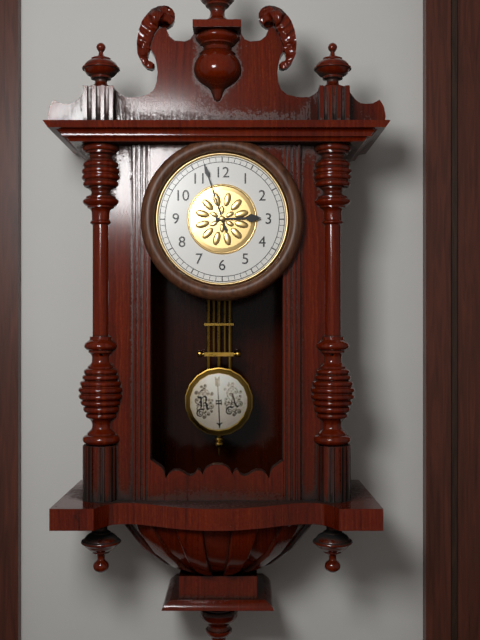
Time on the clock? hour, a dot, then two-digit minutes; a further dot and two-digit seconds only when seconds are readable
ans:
2.57
